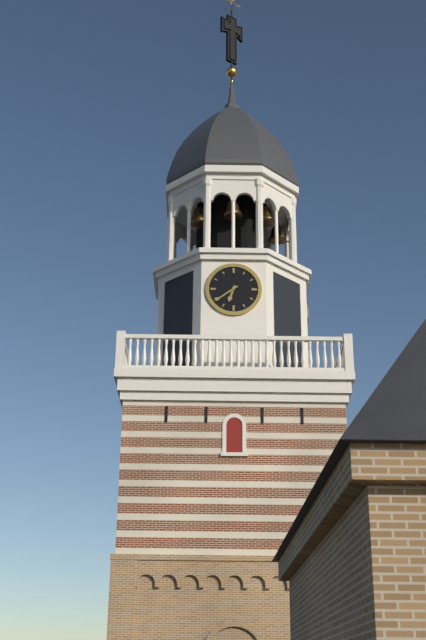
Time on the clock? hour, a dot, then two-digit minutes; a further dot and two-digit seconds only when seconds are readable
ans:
6.39
